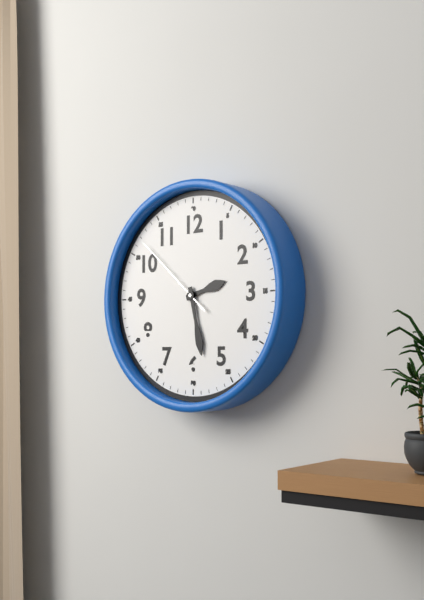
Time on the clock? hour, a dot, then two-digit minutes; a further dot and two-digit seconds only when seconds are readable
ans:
2.28.52
